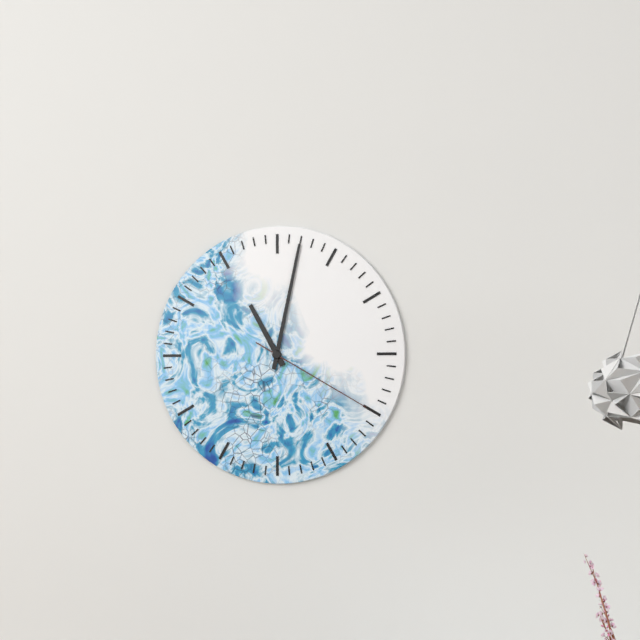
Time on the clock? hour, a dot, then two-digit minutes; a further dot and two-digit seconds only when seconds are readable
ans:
11.02.20
